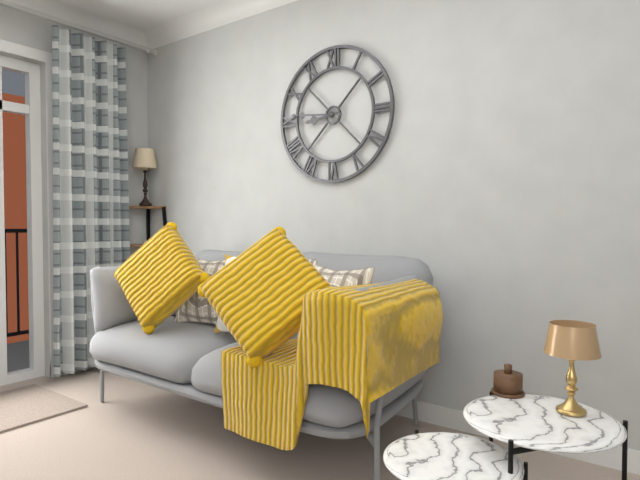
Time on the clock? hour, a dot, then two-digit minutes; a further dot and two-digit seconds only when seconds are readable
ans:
8.46
